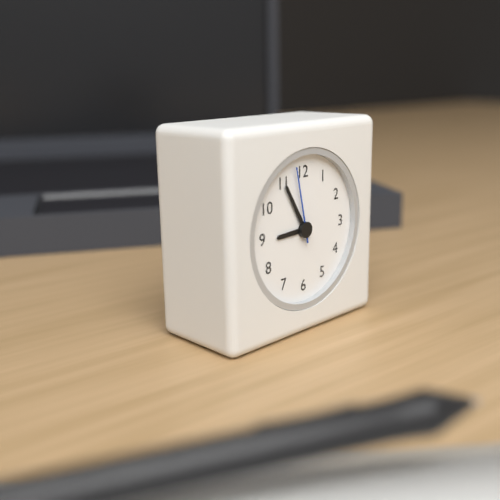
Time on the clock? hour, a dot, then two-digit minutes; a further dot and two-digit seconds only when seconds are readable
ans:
8.55.58
